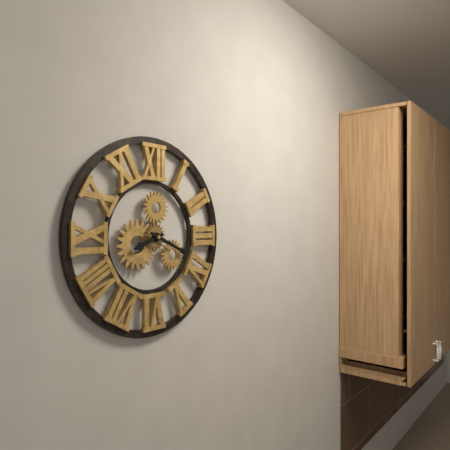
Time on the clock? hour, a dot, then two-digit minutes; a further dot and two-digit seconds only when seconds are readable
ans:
8.19
